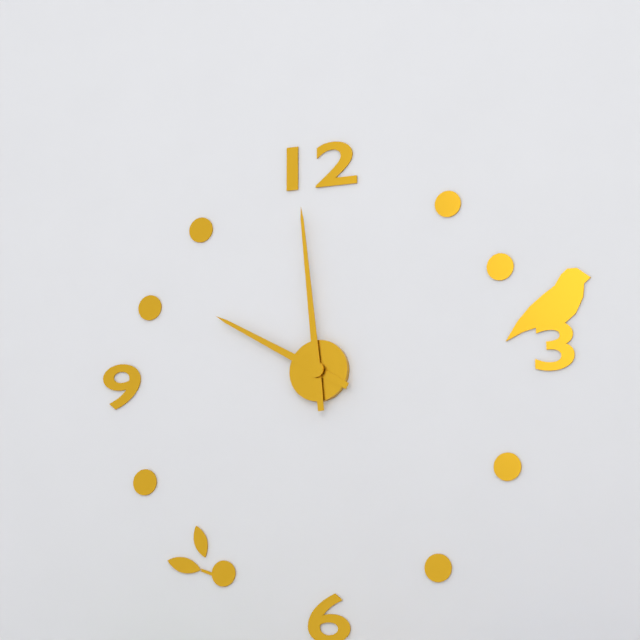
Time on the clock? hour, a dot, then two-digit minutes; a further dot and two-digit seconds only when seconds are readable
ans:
9.59
